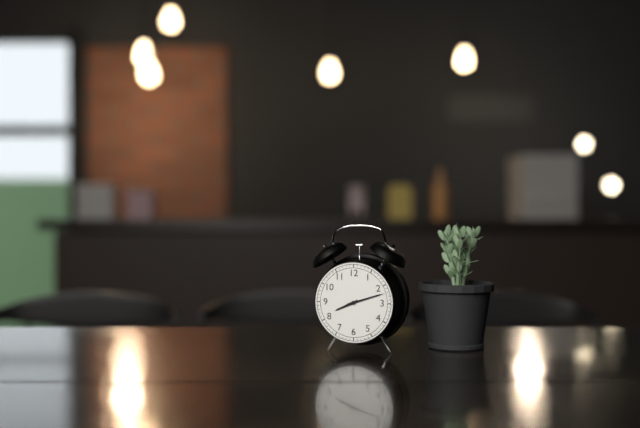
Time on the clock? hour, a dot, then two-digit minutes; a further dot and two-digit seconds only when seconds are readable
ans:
8.12
